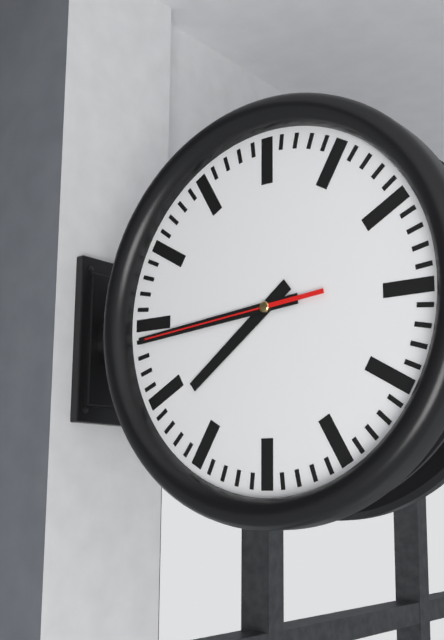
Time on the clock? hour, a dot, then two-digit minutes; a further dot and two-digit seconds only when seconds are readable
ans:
7.44.44
